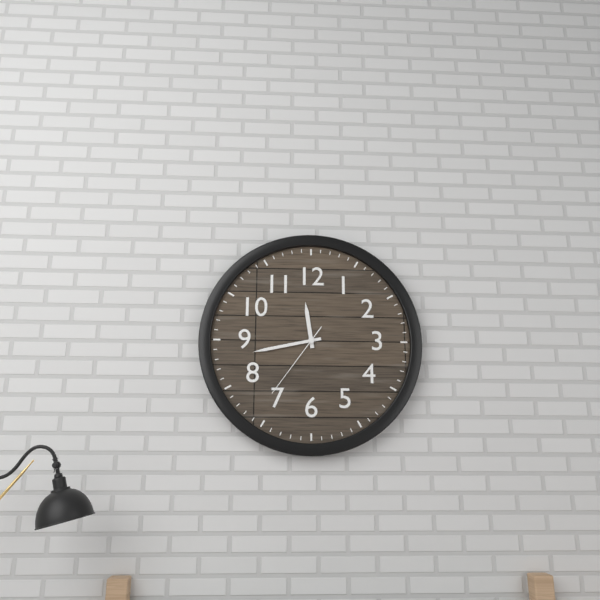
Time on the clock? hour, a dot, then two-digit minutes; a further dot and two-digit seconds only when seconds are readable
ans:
11.43.36
